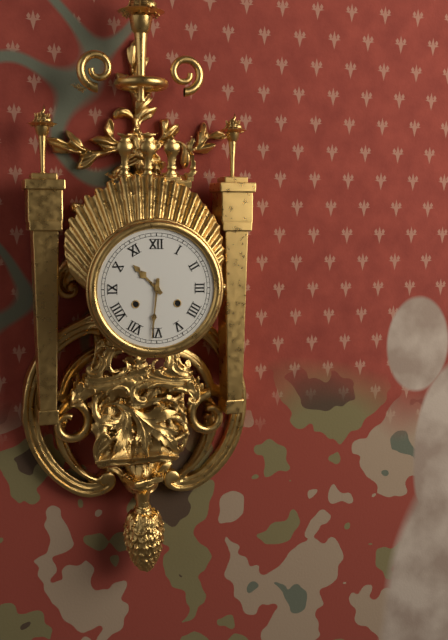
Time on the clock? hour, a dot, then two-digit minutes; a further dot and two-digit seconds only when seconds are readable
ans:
10.31
